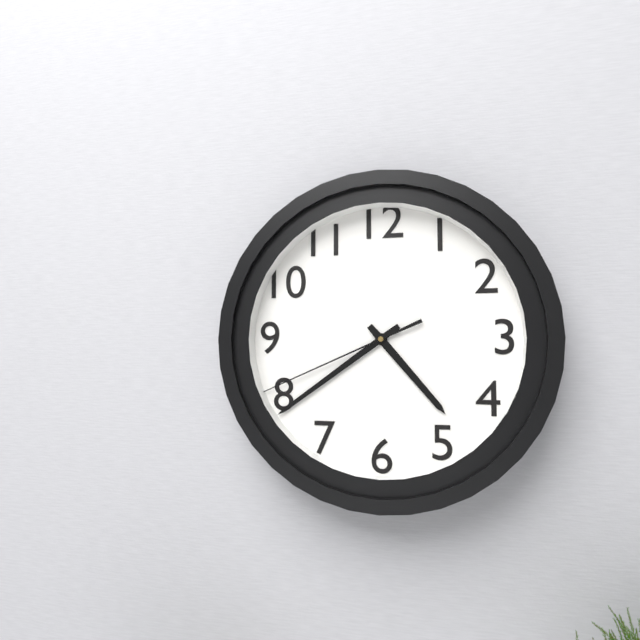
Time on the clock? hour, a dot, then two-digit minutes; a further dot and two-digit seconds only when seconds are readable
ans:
4.39.41
